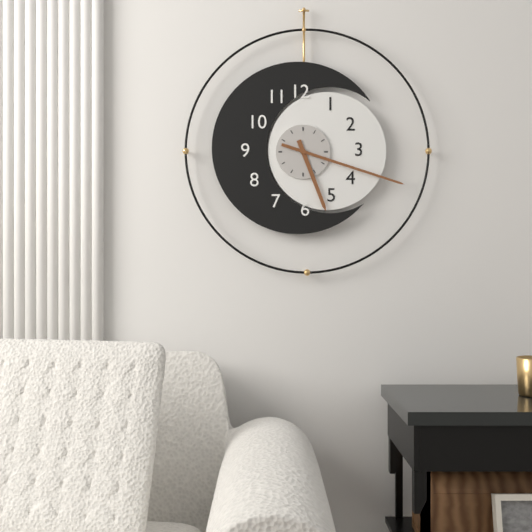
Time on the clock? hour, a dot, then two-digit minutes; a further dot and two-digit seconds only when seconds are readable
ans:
5.18
